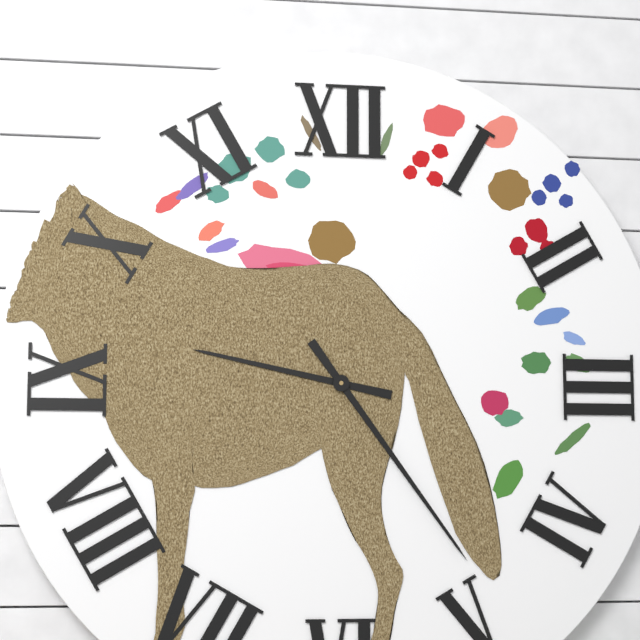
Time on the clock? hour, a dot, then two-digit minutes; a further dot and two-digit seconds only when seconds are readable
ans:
9.24
